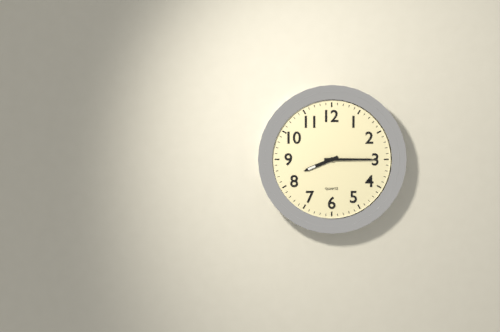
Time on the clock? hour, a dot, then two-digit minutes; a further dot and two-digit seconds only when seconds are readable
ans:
8.15
